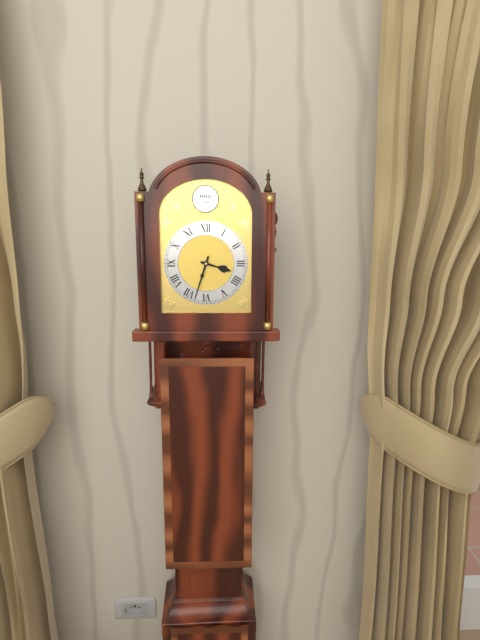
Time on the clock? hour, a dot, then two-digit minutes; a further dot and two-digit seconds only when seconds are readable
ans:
3.33
